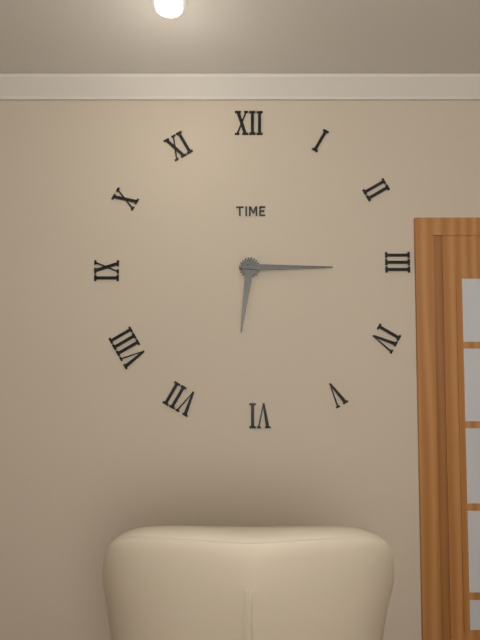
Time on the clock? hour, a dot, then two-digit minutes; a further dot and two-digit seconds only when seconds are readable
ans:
6.15
